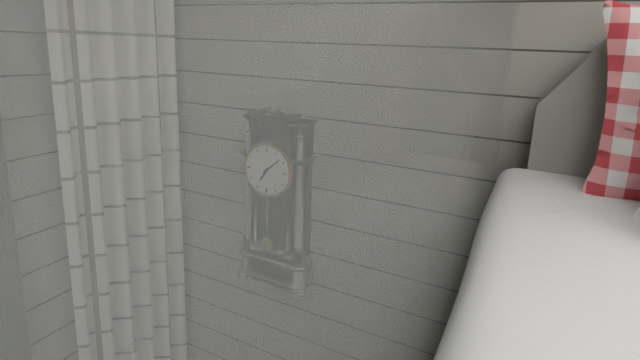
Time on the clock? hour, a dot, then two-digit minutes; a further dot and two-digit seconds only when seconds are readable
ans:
7.08
